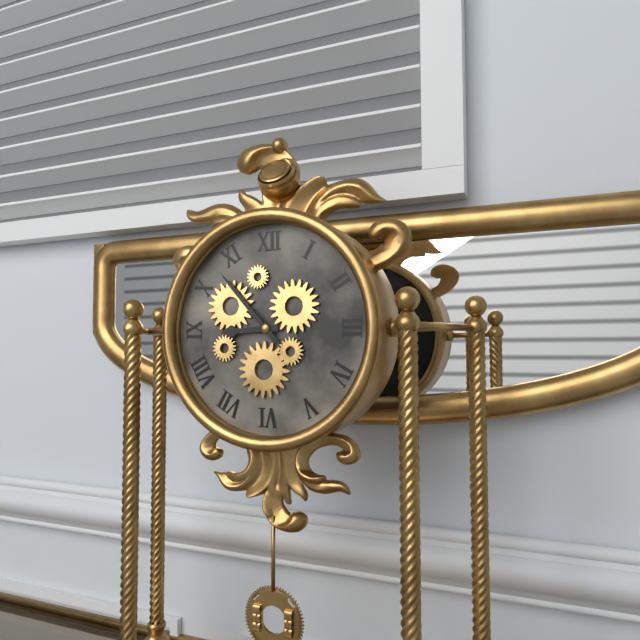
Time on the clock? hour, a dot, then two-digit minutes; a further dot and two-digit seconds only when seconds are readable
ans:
8.53
